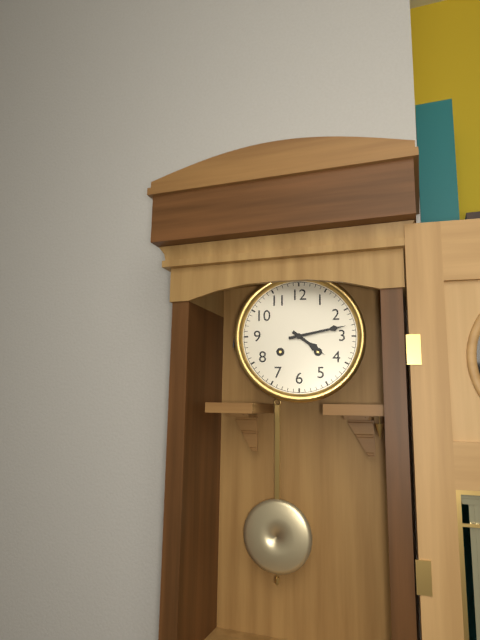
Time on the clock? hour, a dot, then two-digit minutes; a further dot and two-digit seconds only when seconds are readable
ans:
4.13
